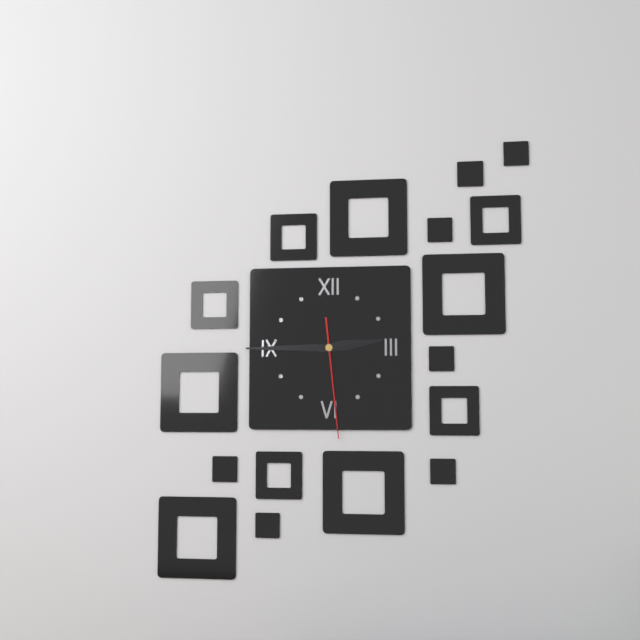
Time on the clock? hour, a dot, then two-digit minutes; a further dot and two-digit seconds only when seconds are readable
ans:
2.45.29
